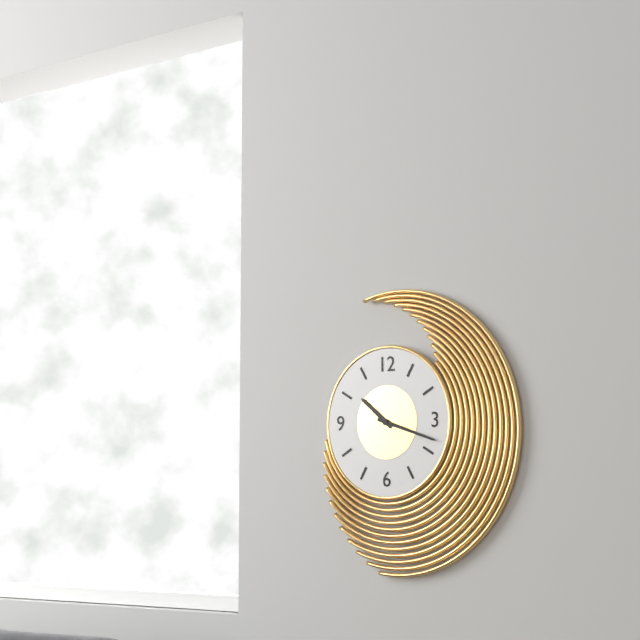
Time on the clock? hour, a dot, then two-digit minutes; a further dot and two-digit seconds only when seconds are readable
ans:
10.18
